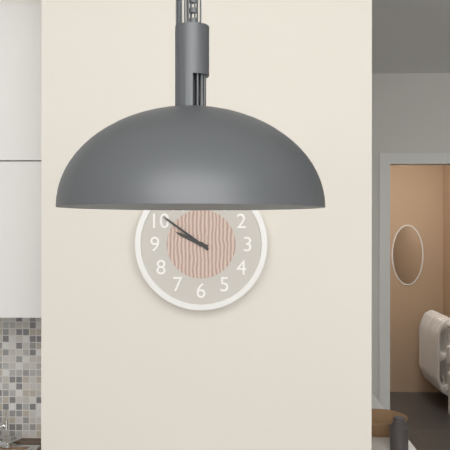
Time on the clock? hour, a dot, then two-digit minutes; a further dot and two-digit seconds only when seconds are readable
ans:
9.51
